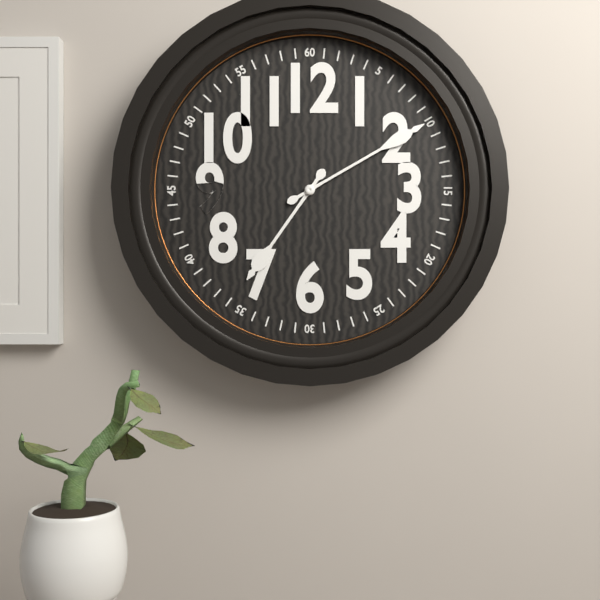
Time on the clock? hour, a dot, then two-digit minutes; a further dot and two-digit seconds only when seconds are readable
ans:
7.10
